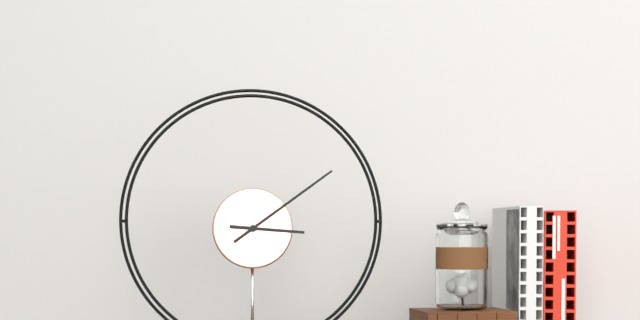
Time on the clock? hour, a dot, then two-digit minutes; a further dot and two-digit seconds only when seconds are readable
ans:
3.09
